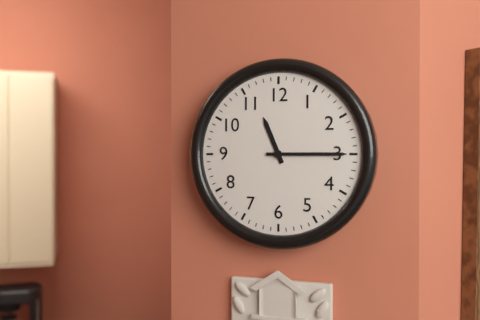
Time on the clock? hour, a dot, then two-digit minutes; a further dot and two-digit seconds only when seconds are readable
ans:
11.15
